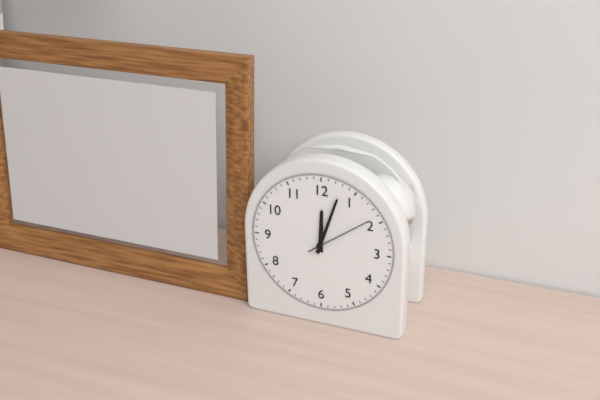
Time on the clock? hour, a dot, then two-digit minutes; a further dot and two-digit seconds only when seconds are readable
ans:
12.03.09
